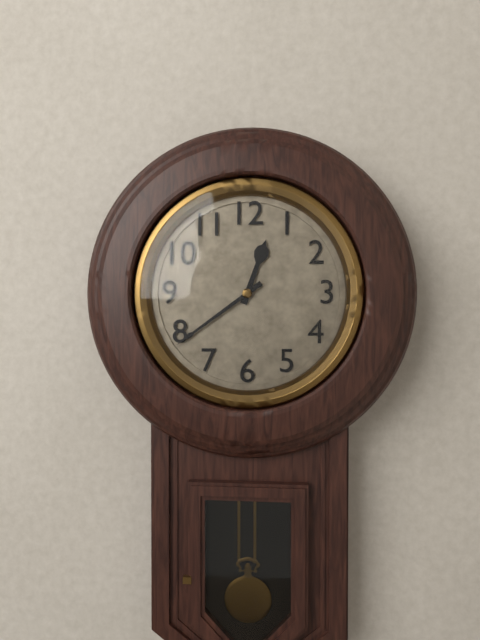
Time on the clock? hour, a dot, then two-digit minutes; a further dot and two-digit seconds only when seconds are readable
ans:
12.39
